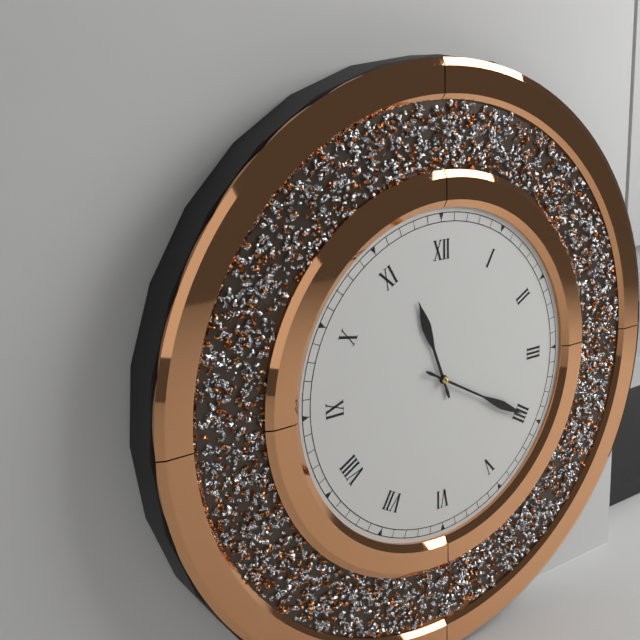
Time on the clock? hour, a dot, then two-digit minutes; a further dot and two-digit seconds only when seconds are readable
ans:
11.20
